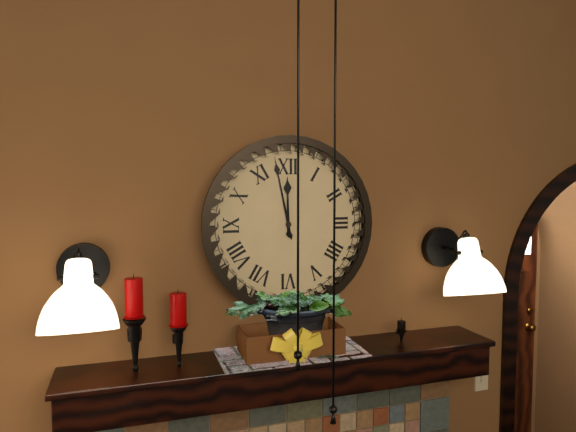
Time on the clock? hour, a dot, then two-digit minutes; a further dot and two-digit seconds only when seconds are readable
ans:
11.58
